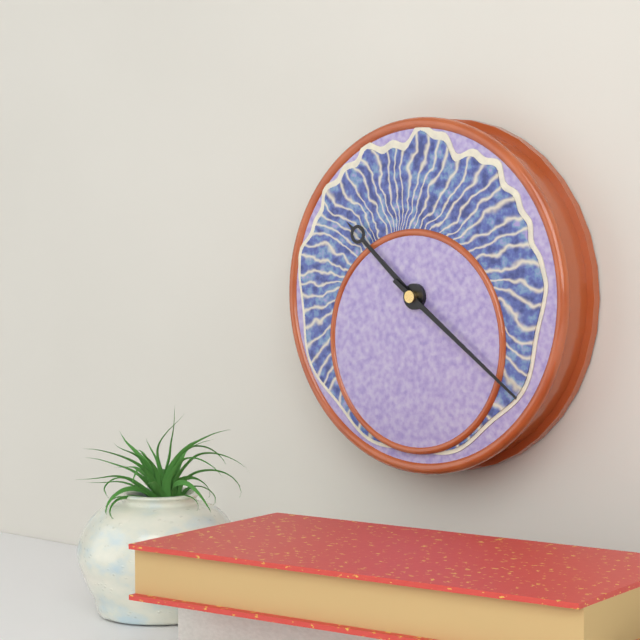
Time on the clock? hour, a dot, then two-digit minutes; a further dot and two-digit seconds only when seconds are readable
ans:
10.21
